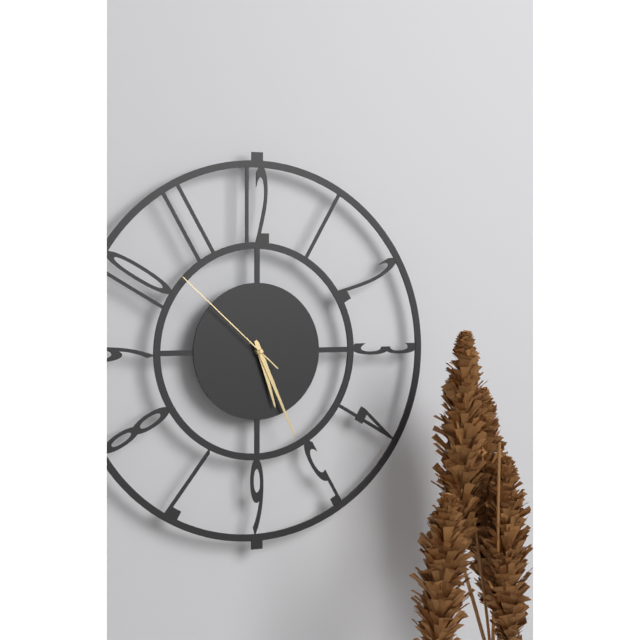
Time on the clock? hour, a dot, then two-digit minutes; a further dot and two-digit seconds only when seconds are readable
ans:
5.26.52
